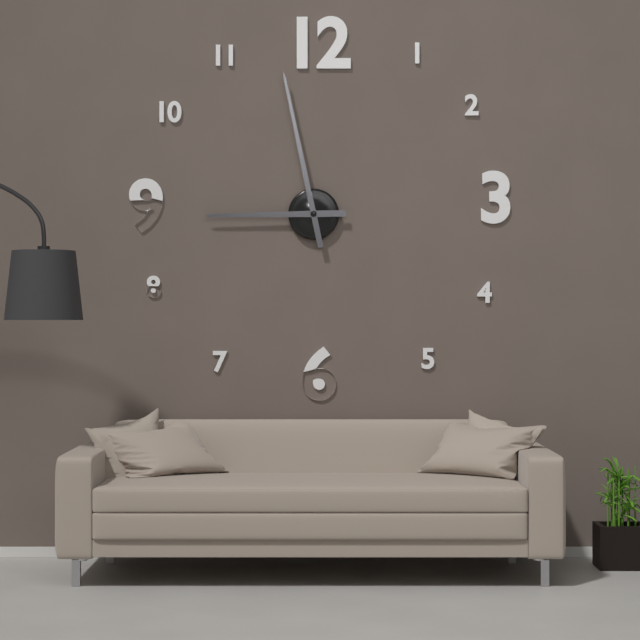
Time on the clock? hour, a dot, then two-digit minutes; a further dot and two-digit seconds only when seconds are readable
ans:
8.58
